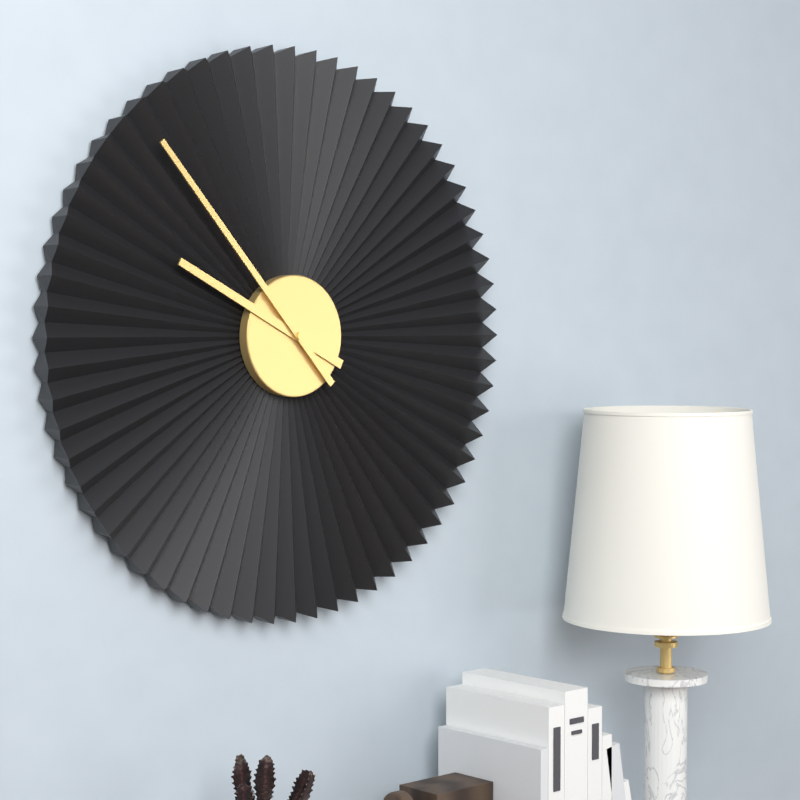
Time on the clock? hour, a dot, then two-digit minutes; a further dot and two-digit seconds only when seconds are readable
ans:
9.53
